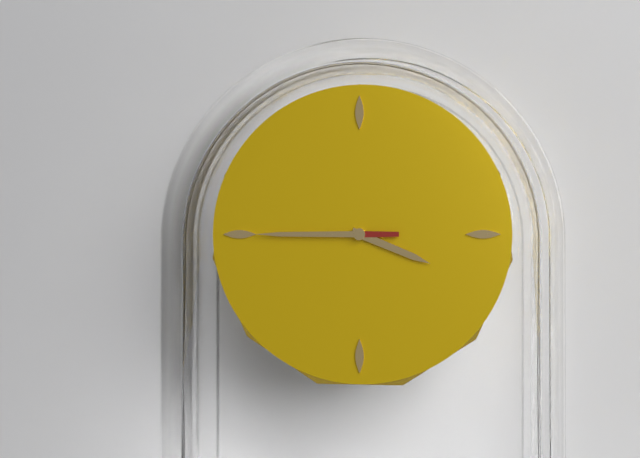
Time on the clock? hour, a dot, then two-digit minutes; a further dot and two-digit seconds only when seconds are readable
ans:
3.45
